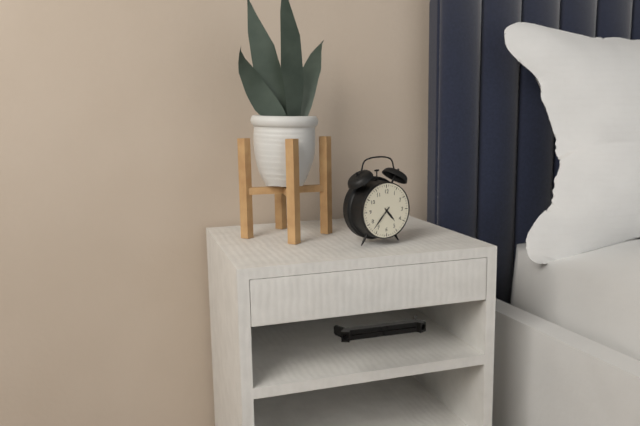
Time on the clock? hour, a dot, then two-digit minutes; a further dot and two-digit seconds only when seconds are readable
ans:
4.37
